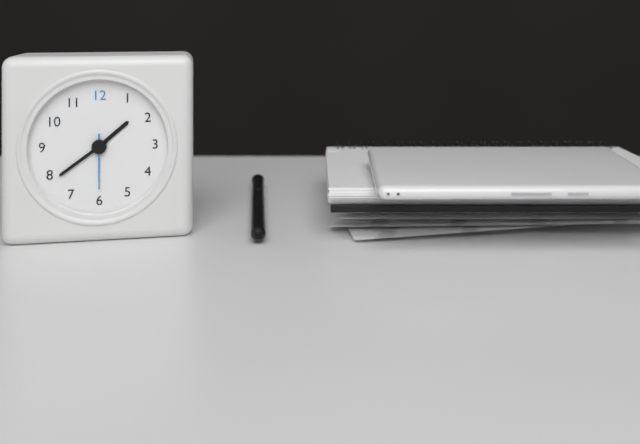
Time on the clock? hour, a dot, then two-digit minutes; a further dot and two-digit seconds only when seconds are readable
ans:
1.39.30
